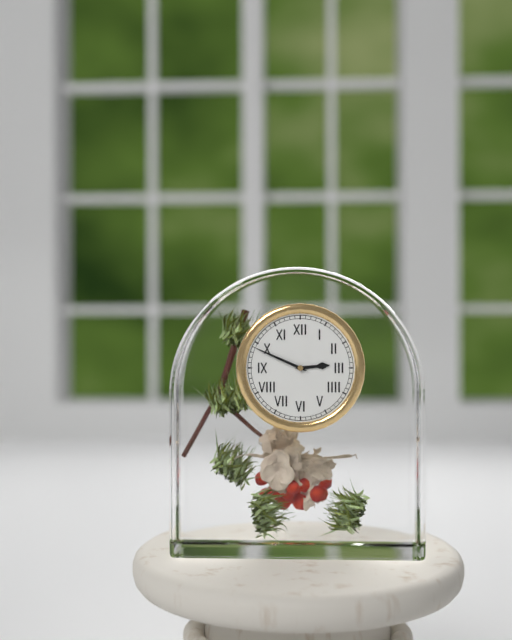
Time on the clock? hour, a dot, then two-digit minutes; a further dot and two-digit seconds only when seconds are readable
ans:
2.49
